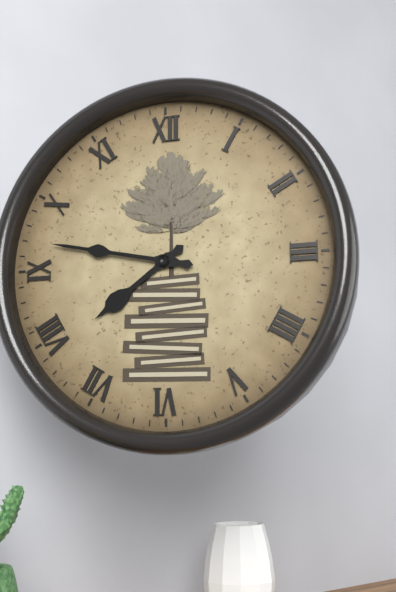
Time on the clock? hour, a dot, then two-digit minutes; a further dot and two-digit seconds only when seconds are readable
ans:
7.47
